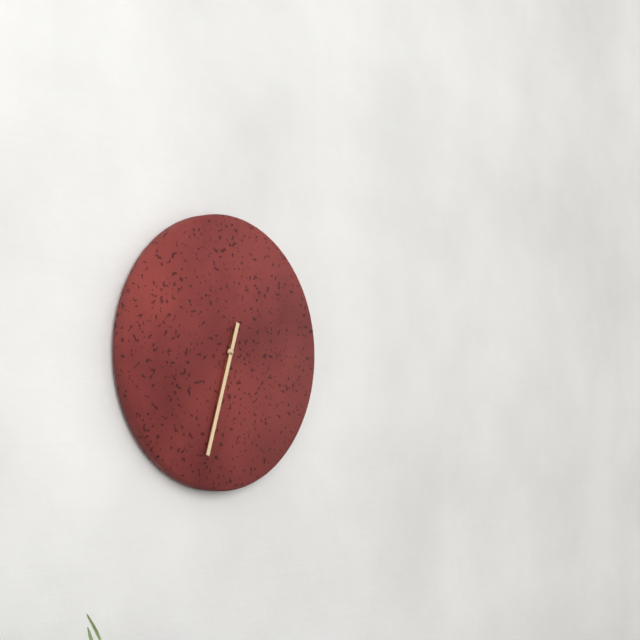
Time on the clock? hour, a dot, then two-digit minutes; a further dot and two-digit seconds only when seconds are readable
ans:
6.33
